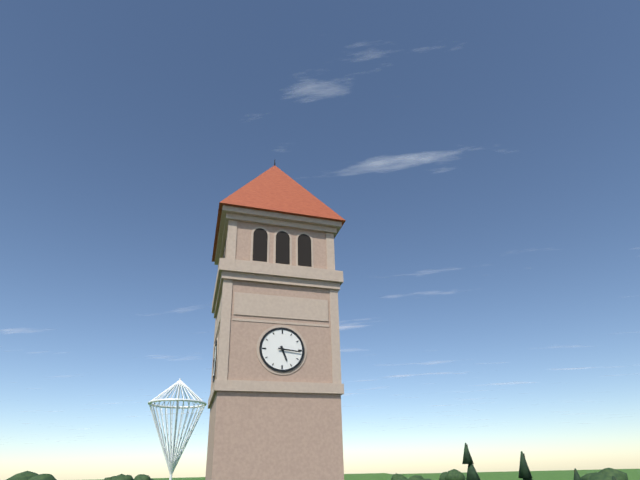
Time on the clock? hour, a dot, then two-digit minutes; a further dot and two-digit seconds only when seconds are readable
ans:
5.16
